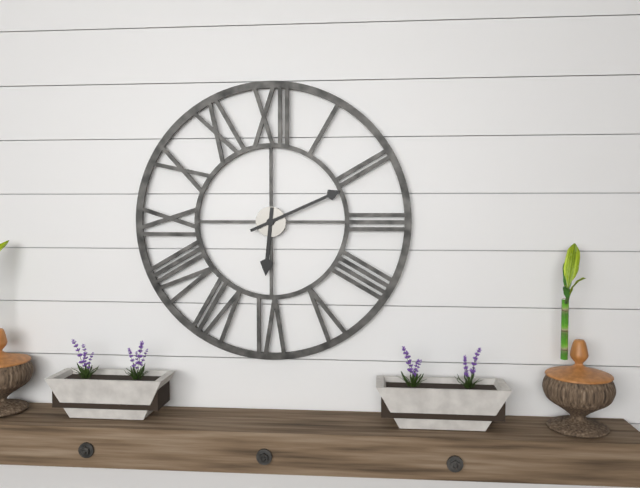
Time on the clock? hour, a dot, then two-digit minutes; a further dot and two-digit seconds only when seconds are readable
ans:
6.11
